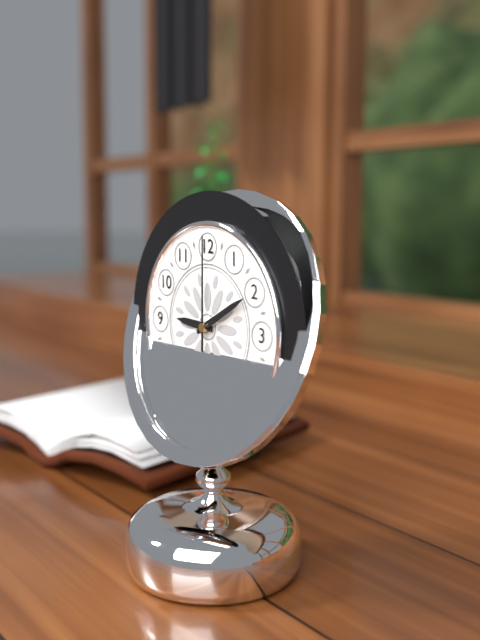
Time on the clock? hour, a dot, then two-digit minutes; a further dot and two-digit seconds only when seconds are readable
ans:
9.10.00
